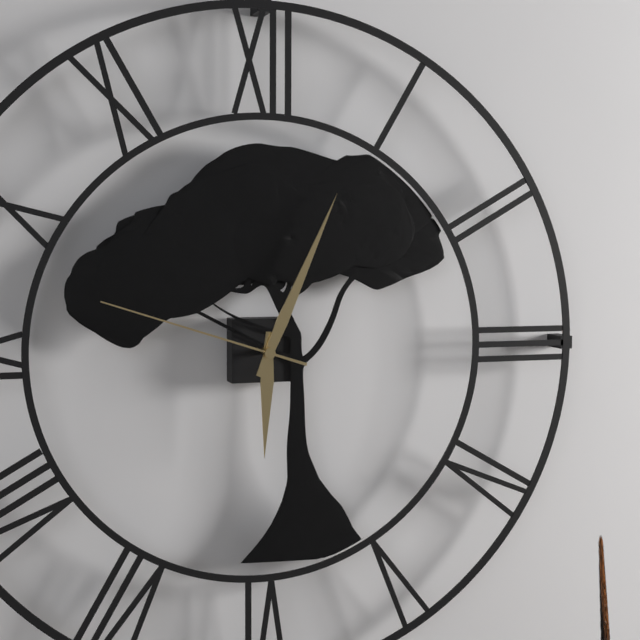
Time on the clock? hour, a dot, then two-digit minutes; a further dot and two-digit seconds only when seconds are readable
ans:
6.04.48
